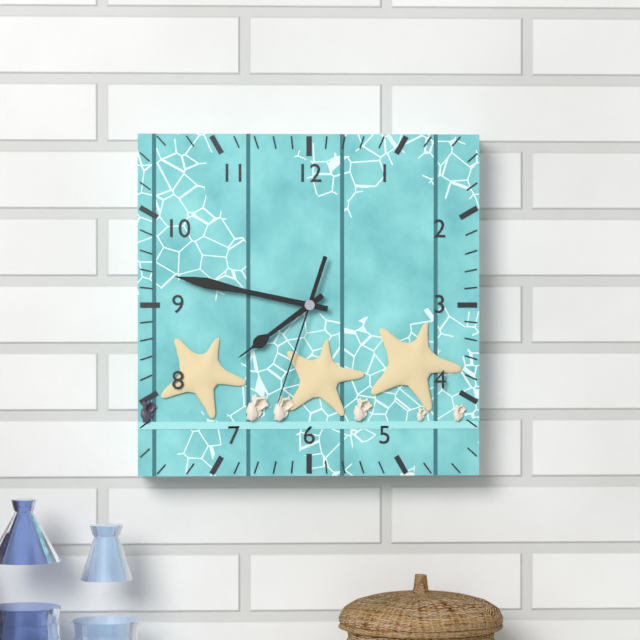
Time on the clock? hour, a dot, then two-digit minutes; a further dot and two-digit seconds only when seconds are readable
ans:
7.47.33
